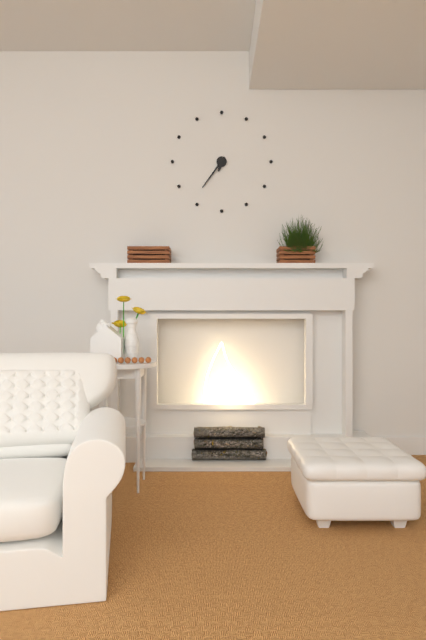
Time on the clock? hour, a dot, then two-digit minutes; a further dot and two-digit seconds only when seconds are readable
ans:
6.36
